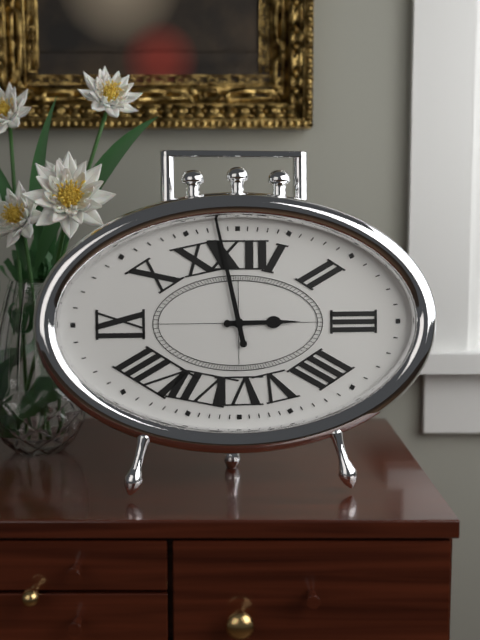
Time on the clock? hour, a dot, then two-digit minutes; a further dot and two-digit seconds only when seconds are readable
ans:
2.58
